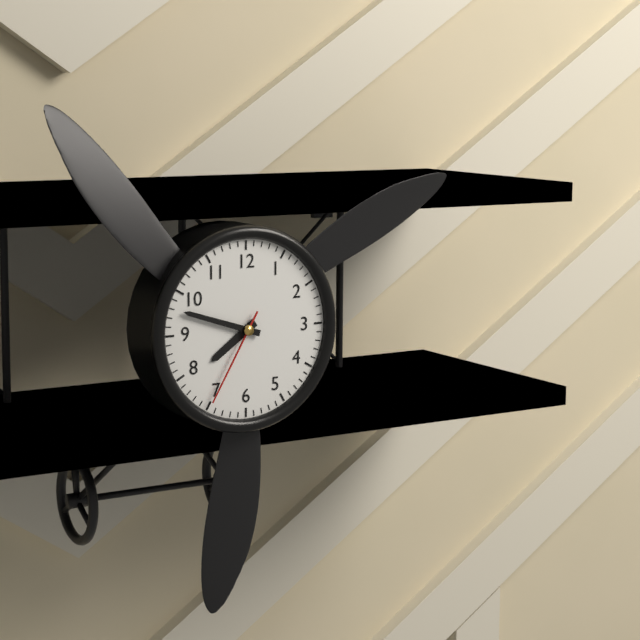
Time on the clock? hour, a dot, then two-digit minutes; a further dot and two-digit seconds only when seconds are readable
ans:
7.48.35
